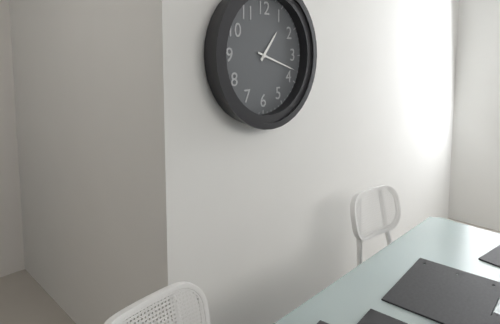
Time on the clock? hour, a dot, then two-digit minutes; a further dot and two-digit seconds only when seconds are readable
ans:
1.18
